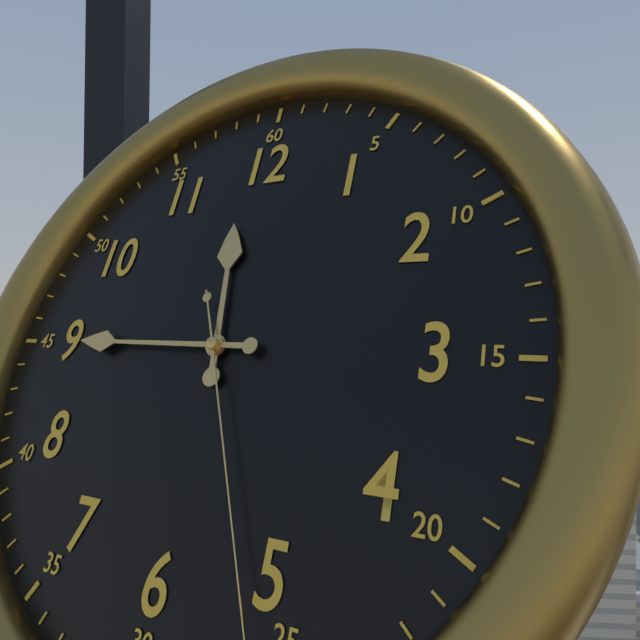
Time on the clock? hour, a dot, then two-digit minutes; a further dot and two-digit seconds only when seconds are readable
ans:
11.45
